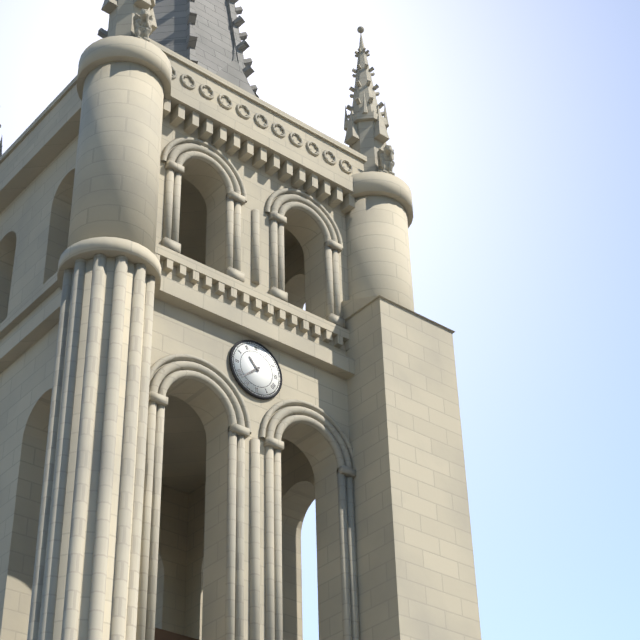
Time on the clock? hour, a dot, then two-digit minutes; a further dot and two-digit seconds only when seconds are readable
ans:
10.38
